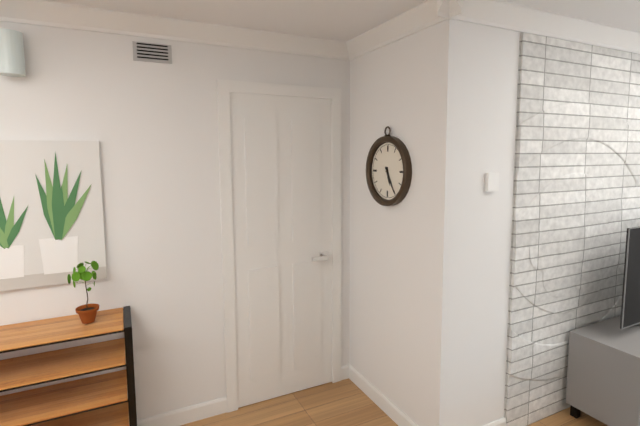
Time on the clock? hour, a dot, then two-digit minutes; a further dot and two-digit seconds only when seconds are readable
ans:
5.25
